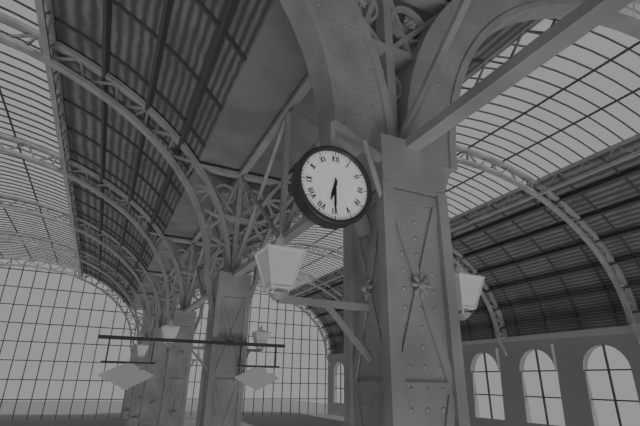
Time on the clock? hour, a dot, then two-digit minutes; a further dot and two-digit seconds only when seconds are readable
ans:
6.30
